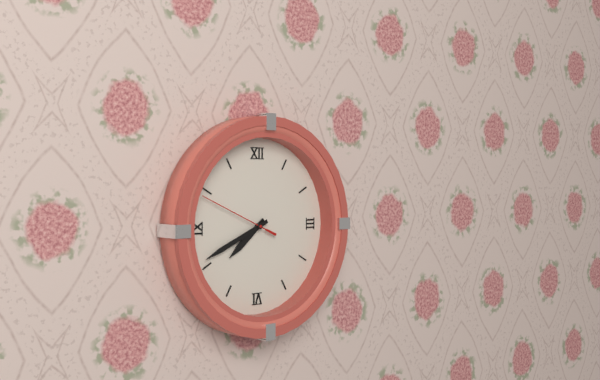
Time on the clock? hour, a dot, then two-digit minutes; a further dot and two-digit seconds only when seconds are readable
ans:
7.41.49
